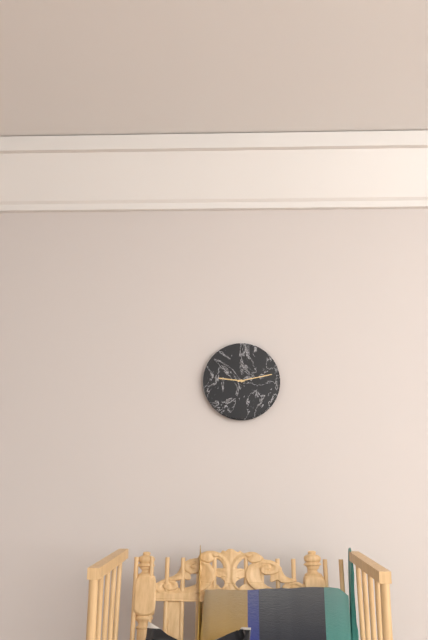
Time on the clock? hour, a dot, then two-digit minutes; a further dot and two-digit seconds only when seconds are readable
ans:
9.13
